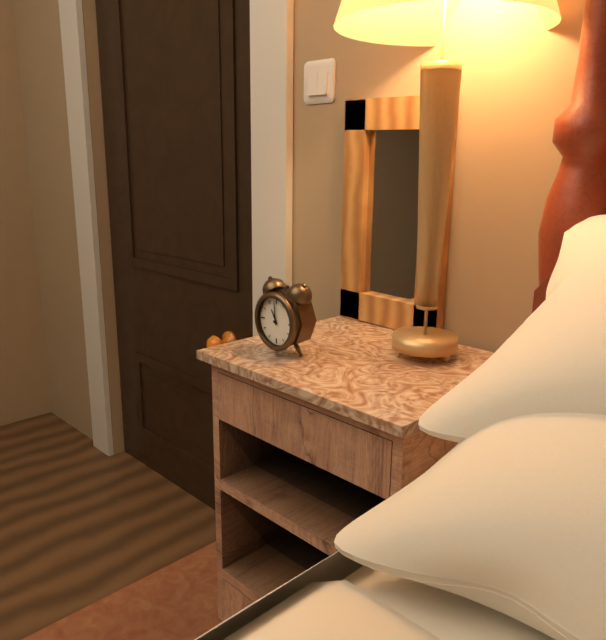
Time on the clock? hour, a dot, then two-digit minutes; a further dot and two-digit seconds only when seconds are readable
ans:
10.59
